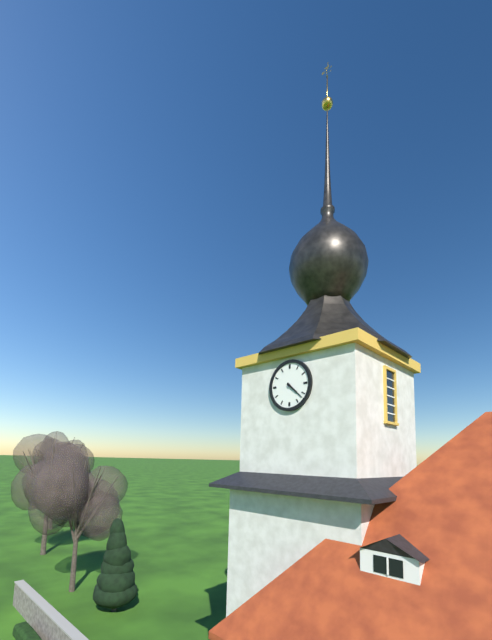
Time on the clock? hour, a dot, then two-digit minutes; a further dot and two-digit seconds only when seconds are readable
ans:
4.22
